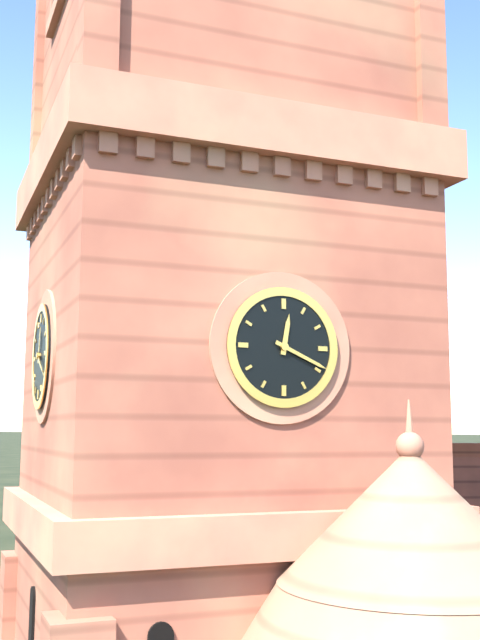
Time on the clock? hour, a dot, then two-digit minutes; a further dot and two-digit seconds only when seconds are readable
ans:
12.19
